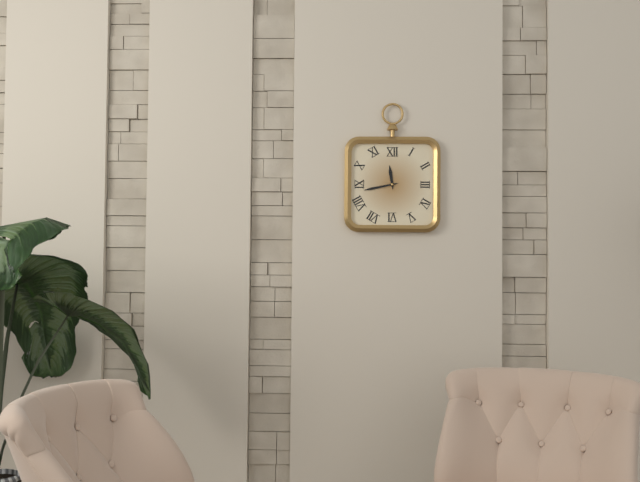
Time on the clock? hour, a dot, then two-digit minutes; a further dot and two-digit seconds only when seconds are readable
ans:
11.43
